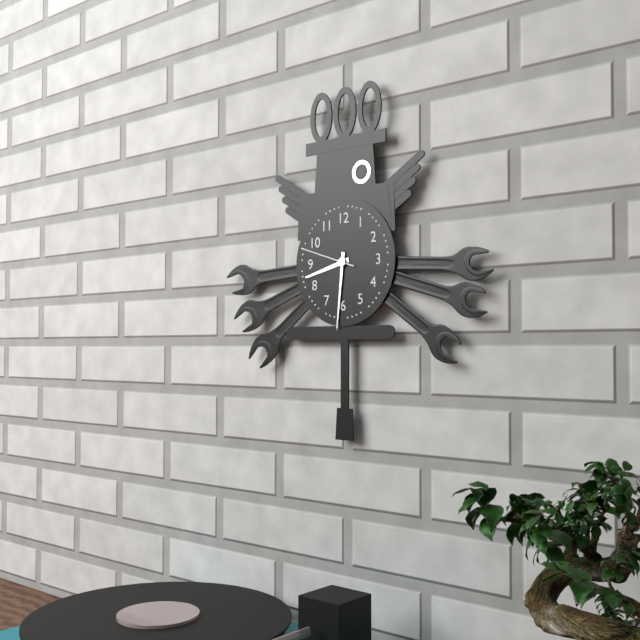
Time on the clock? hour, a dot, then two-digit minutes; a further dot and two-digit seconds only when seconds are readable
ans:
8.31.48
